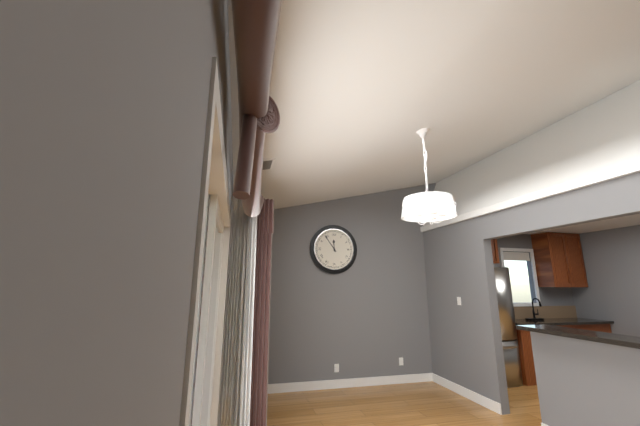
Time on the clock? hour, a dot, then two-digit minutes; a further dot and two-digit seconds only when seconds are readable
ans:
11.54
